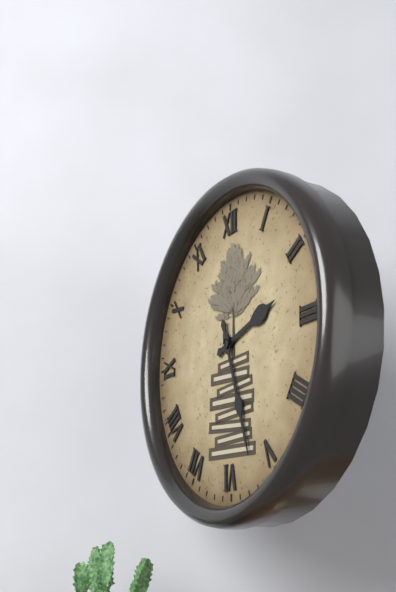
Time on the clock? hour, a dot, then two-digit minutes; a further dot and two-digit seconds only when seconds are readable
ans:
2.27
